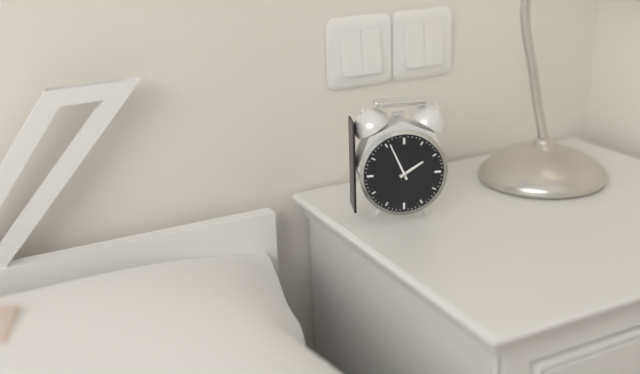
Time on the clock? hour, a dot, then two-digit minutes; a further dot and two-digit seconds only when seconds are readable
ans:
1.56
